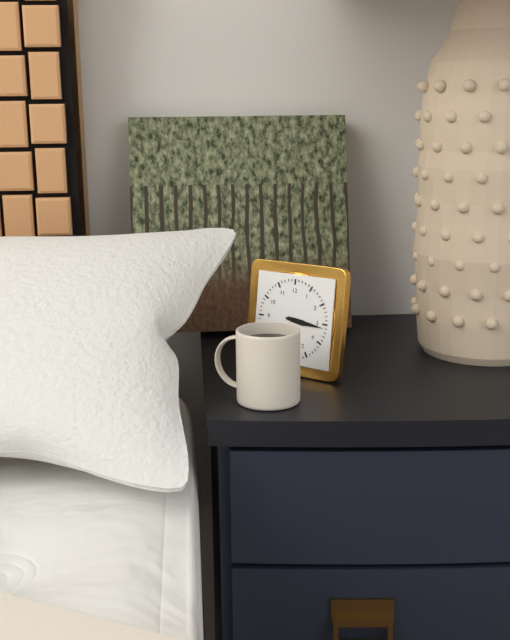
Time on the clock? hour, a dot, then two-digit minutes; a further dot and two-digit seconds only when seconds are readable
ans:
3.16
